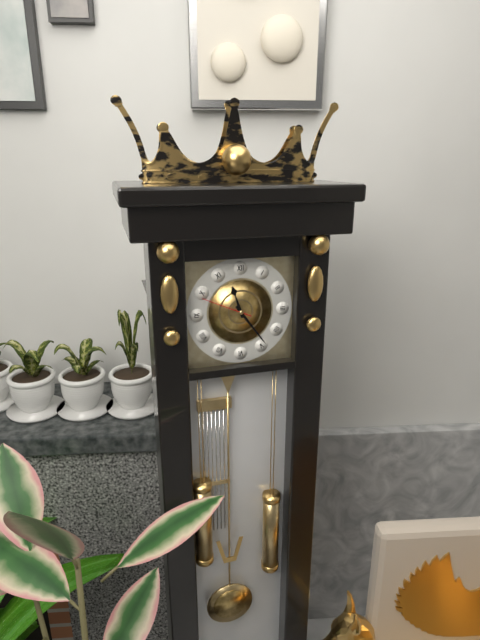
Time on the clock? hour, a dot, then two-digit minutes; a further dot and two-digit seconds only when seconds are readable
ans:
11.24.49
